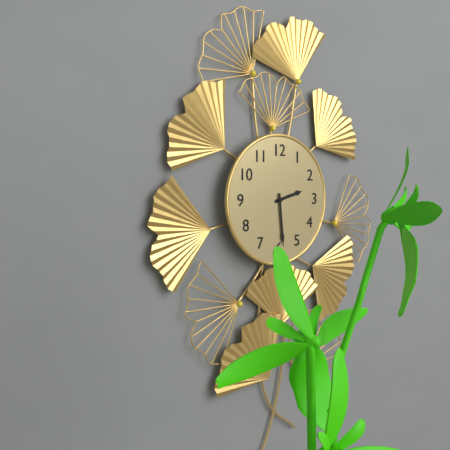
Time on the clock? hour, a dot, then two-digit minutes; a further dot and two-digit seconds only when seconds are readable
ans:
2.29
